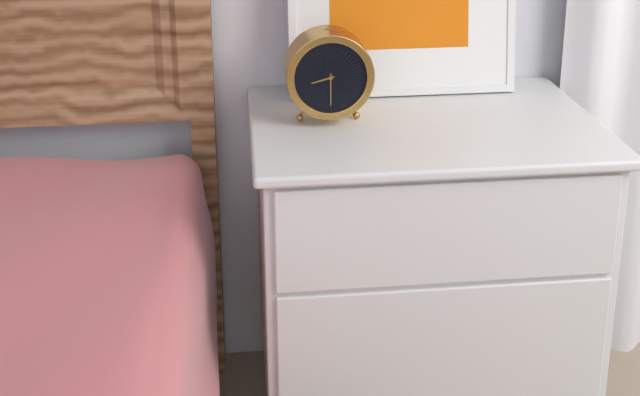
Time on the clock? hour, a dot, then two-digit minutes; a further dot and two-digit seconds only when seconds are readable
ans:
8.30
